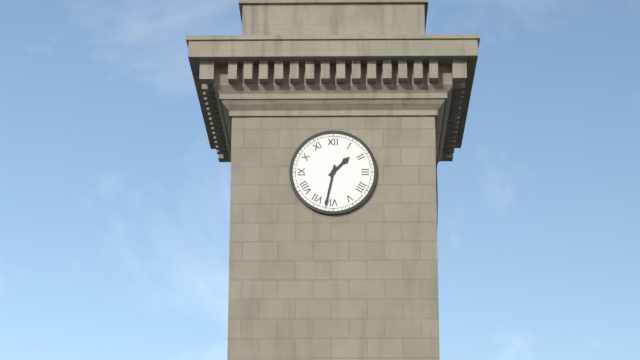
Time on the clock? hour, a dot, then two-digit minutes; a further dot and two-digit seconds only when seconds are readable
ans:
1.32
